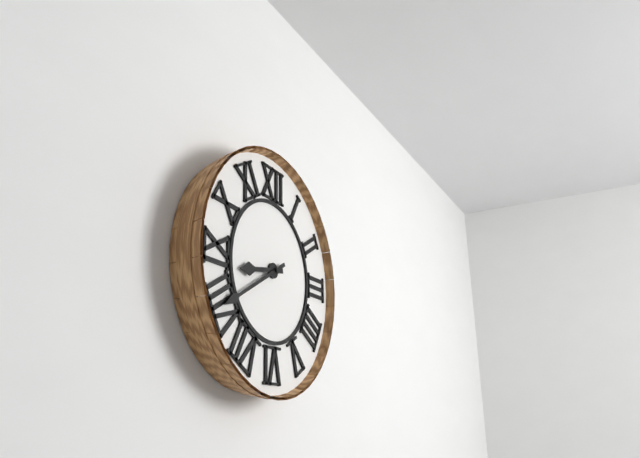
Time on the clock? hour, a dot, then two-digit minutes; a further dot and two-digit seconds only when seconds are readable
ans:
8.40
